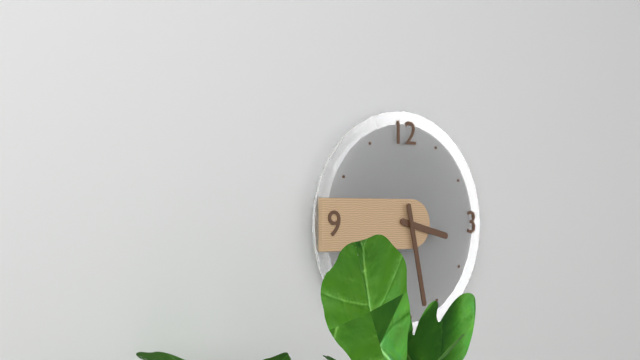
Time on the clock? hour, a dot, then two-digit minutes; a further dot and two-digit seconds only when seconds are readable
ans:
3.28
